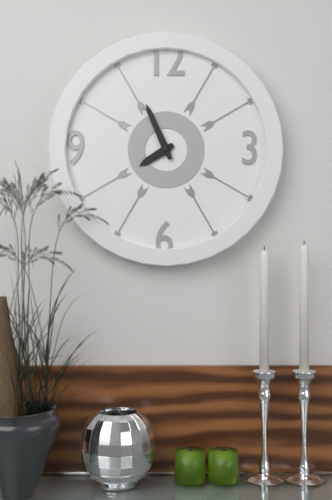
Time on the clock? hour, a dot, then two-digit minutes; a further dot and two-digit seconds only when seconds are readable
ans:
7.56
